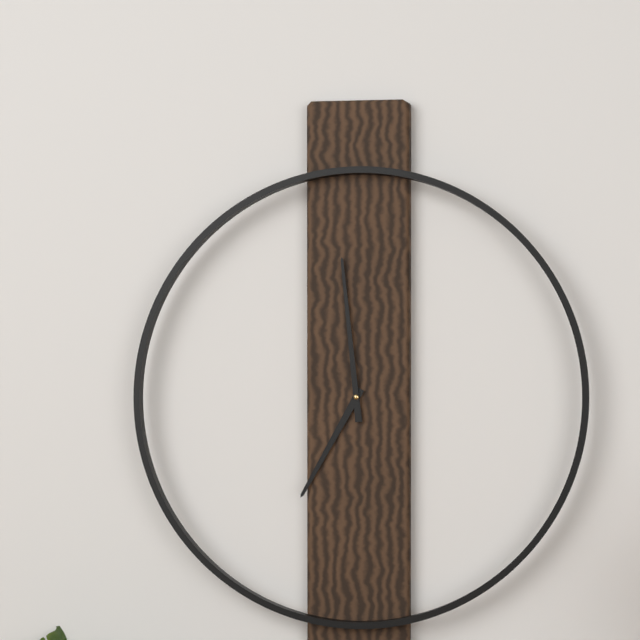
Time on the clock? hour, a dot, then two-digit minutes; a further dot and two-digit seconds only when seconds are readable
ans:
6.59
